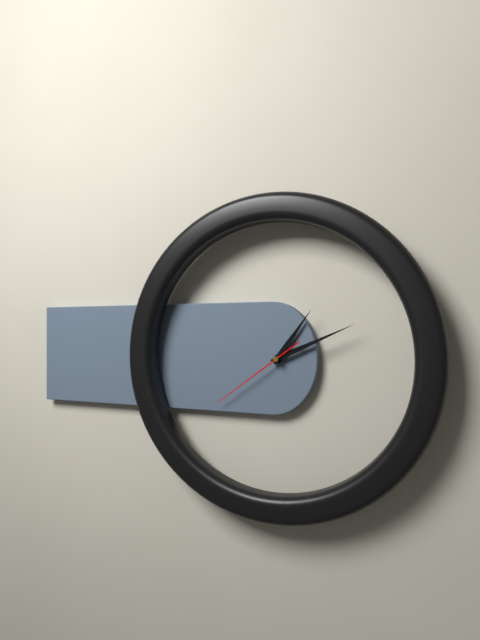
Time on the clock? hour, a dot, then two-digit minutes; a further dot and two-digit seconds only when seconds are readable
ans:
1.11.39
